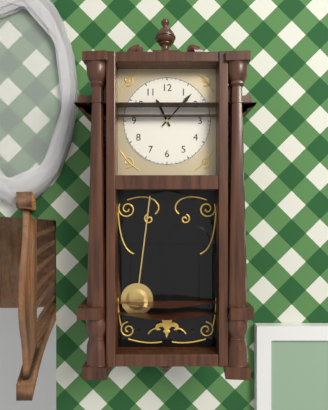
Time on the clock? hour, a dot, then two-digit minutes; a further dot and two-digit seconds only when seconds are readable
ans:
11.07
